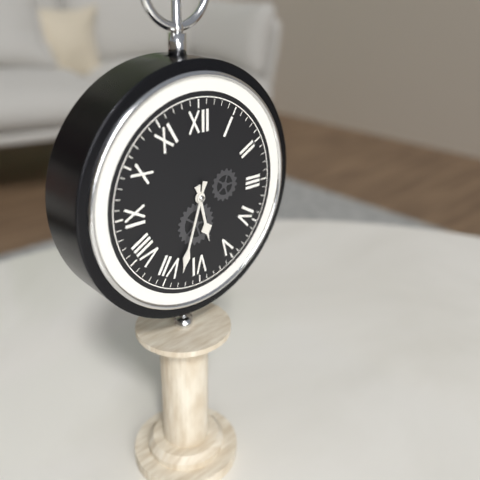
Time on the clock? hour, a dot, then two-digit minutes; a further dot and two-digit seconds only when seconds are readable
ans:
5.33
